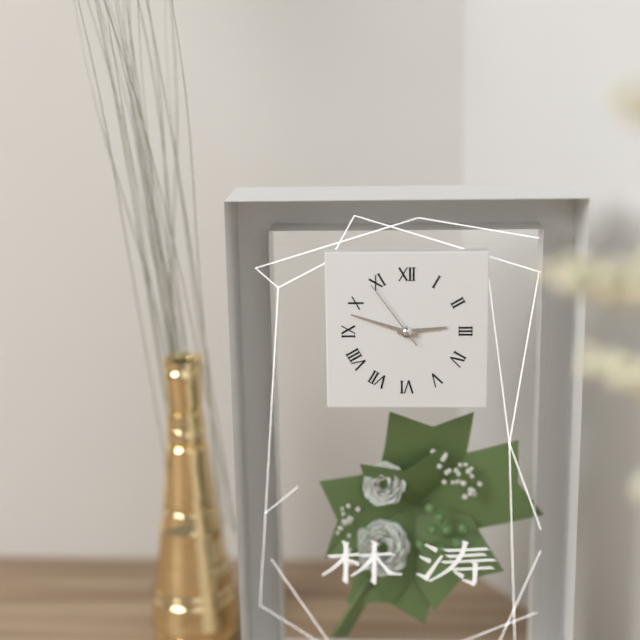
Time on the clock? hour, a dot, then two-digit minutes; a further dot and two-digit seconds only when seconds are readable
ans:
2.48.54
